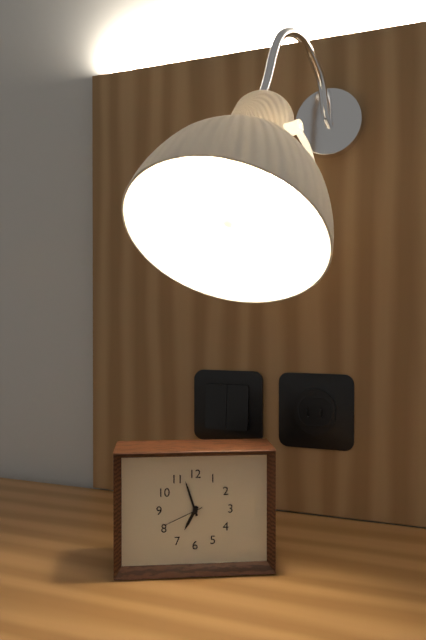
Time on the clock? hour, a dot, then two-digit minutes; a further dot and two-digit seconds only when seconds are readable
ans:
6.57.41
